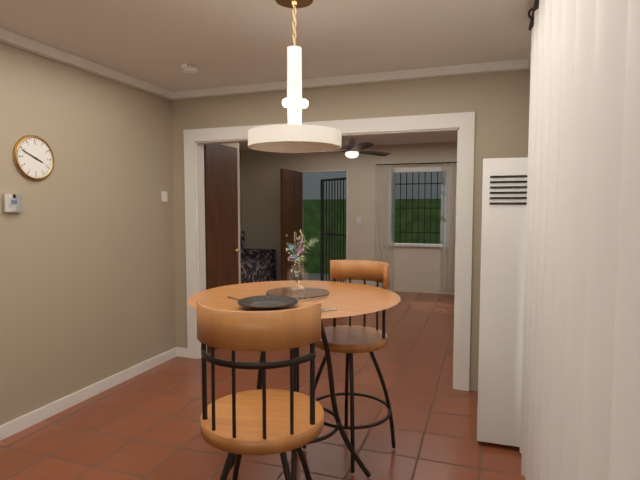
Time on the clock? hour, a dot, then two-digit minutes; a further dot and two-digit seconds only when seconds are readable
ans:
3.49
